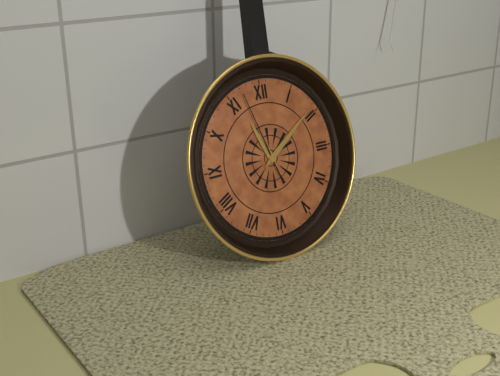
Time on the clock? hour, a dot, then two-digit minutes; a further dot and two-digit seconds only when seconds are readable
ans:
11.09.57
